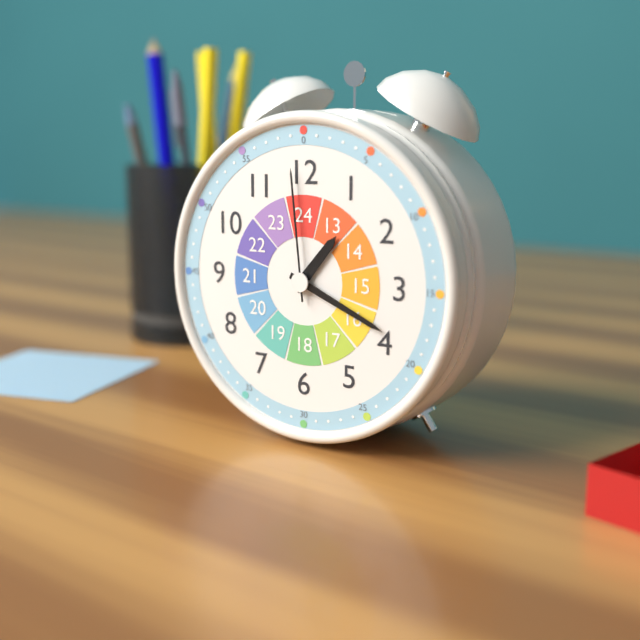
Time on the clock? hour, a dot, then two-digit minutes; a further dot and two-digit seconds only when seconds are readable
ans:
1.19.59
